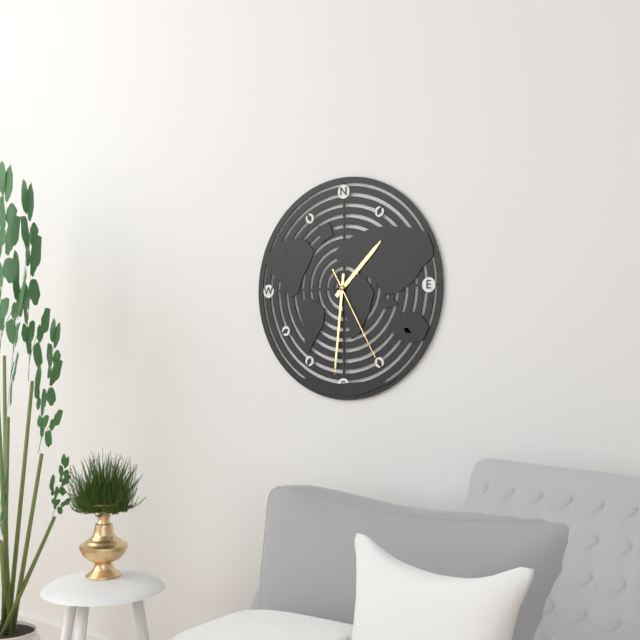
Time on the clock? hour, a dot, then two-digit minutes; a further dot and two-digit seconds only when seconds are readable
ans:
1.31.25
